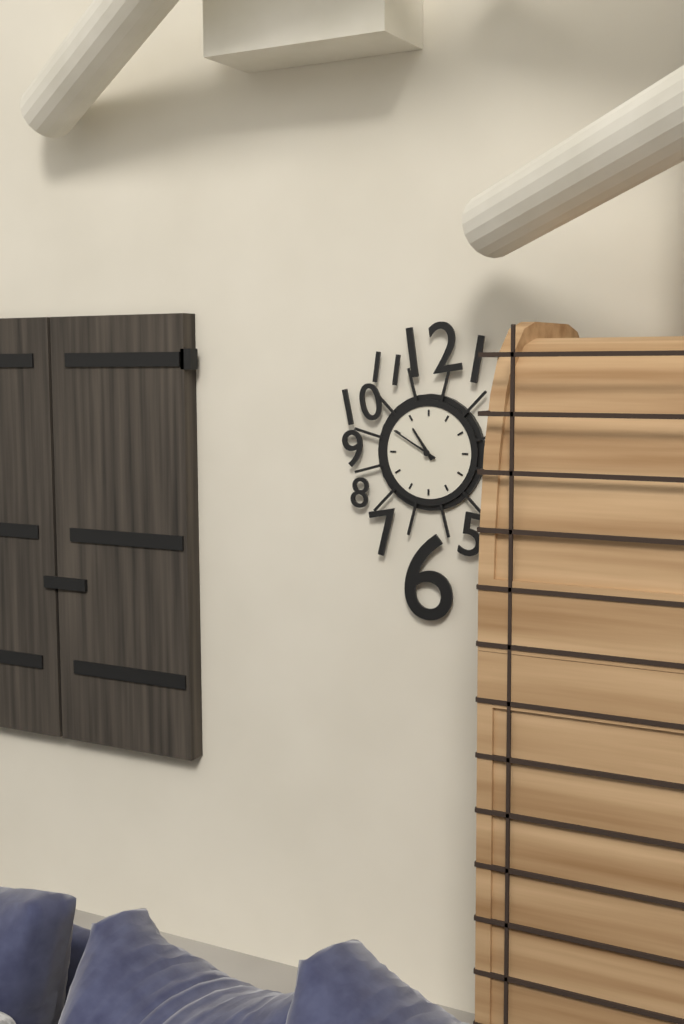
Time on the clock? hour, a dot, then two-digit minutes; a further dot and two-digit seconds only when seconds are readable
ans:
10.50
